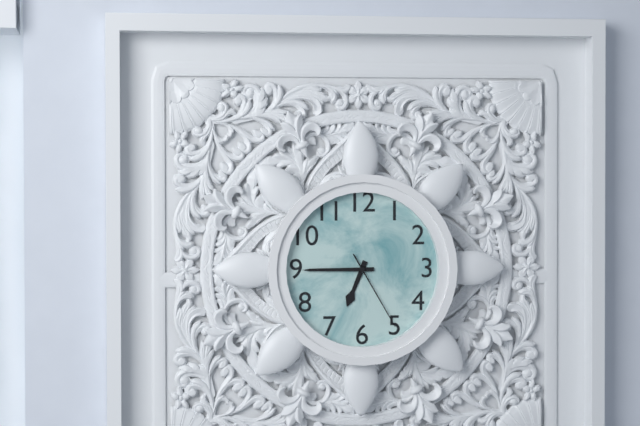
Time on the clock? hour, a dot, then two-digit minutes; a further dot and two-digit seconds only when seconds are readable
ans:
6.45.25
